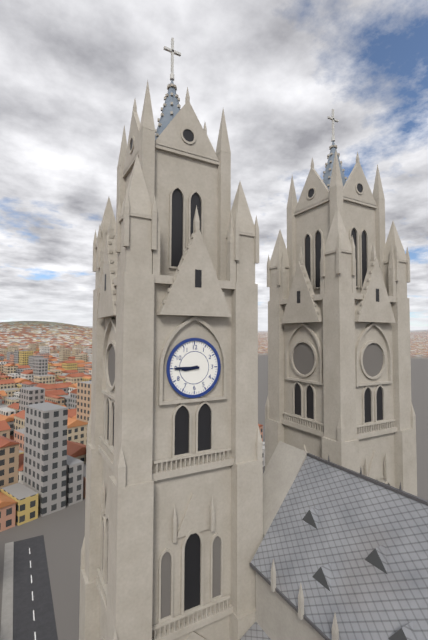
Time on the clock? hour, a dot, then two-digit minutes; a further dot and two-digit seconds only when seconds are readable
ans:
8.45
